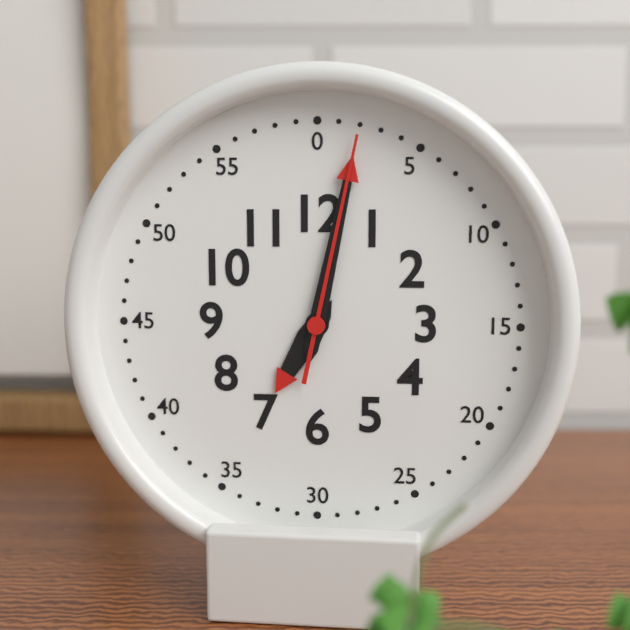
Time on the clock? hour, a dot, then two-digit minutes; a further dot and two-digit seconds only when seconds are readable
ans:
7.02.02
